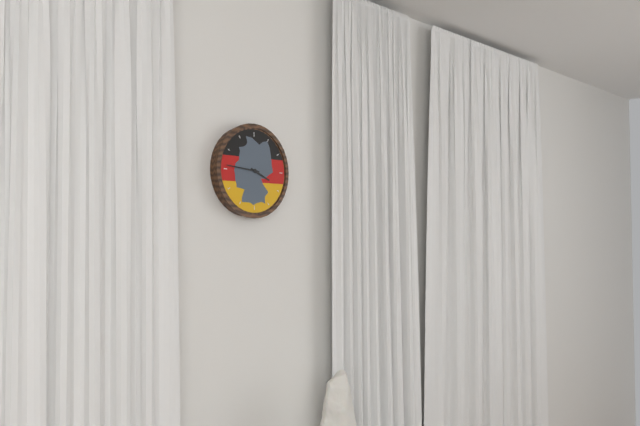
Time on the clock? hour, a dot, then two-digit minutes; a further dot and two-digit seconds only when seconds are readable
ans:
3.46
